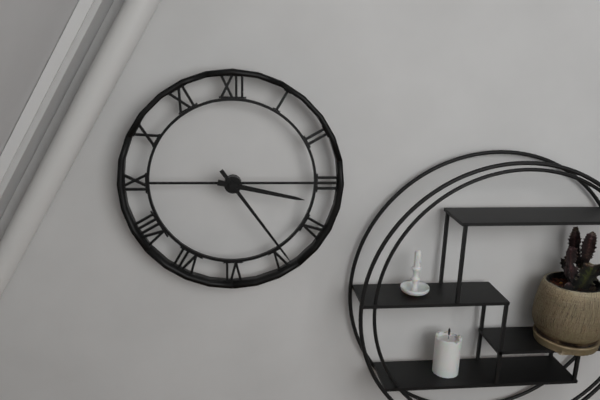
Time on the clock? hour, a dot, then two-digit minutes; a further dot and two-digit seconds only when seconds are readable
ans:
3.24
